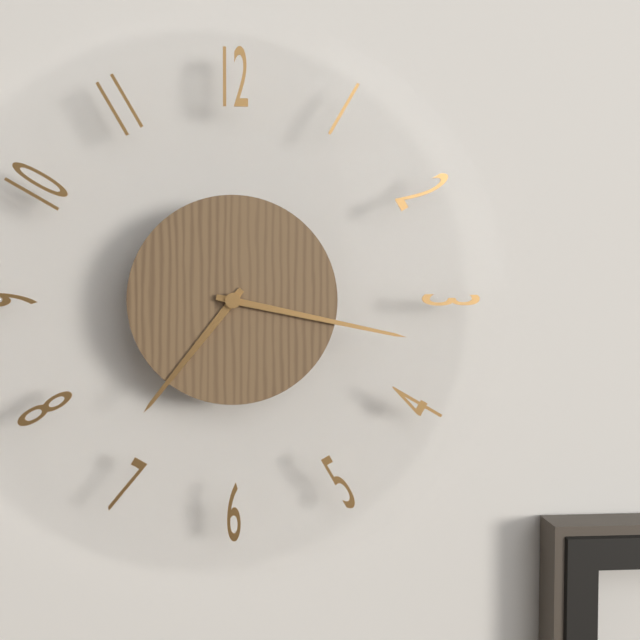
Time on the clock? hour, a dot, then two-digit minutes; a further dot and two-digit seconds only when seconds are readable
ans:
7.17
